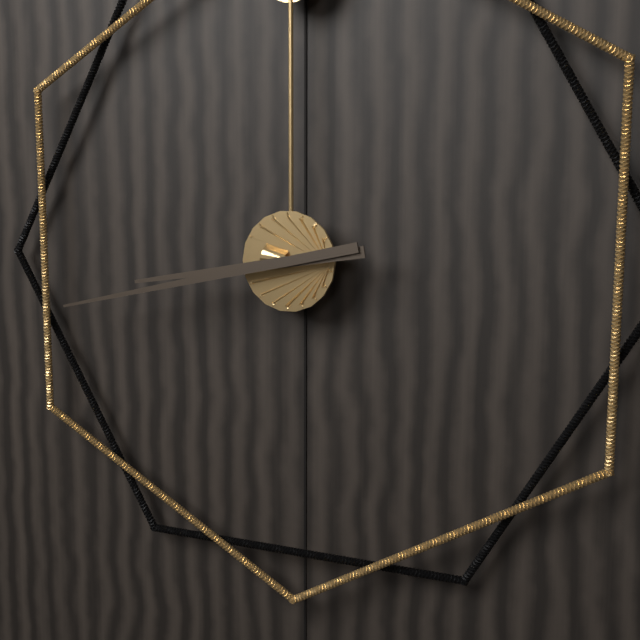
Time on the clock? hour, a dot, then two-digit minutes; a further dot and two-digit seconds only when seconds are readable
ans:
8.43
